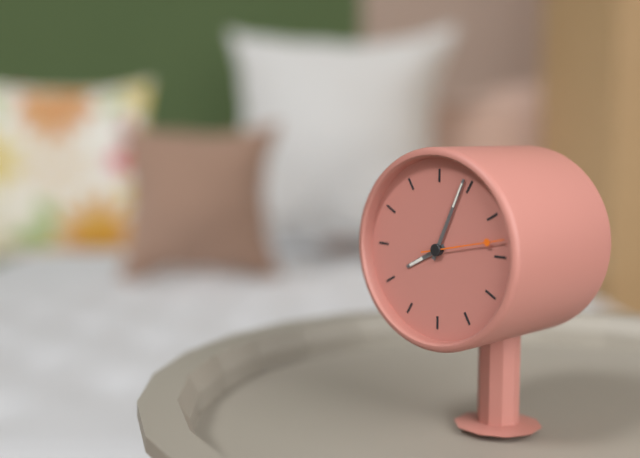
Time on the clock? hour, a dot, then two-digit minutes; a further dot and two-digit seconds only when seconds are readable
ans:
8.04.13
